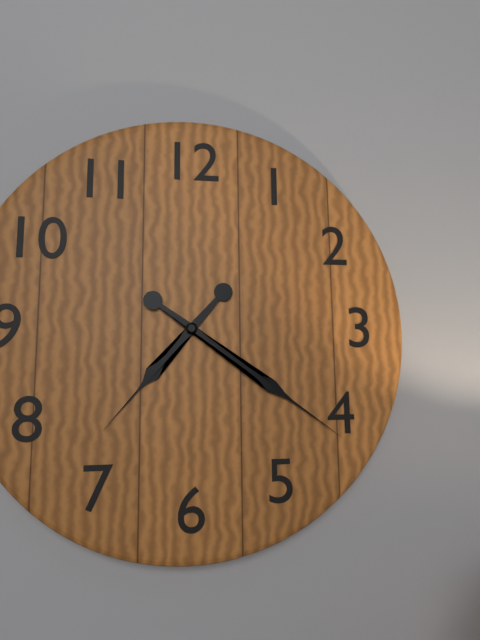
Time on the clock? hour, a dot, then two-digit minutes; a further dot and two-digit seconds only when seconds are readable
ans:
7.21
